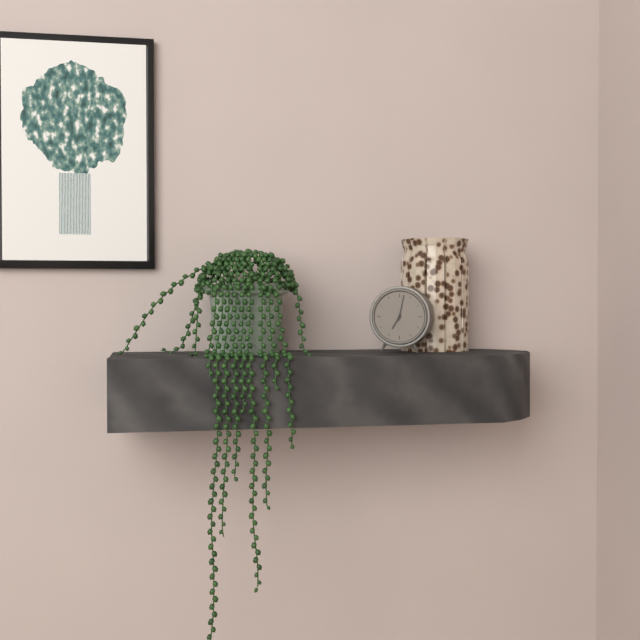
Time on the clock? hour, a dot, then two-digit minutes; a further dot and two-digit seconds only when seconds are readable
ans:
7.02
